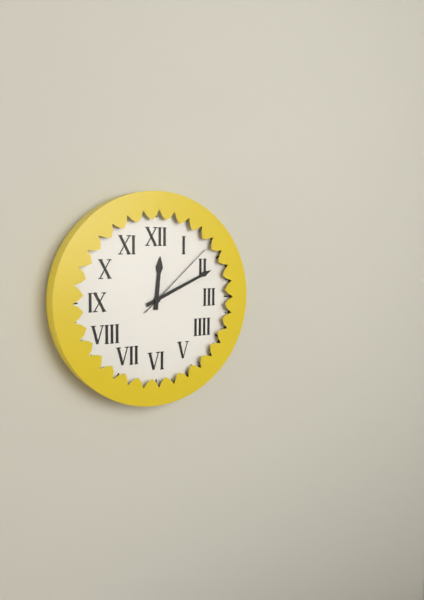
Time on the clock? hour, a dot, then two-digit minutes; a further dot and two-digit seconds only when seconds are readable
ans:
12.11.08
